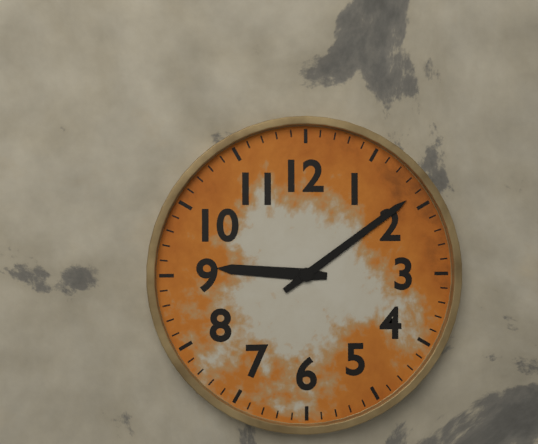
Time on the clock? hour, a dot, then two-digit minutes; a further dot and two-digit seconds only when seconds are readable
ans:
9.09
